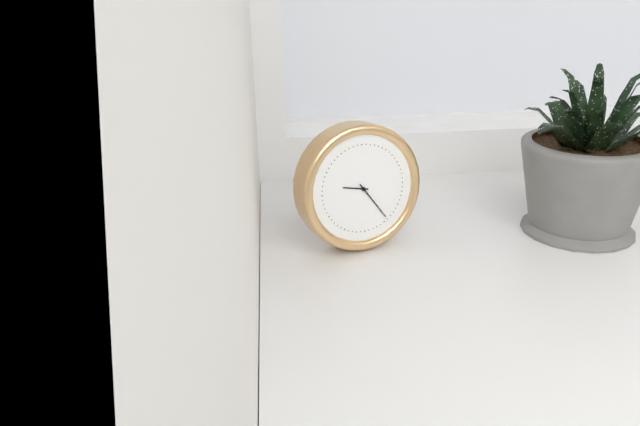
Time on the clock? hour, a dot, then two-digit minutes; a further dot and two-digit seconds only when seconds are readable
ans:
9.24
